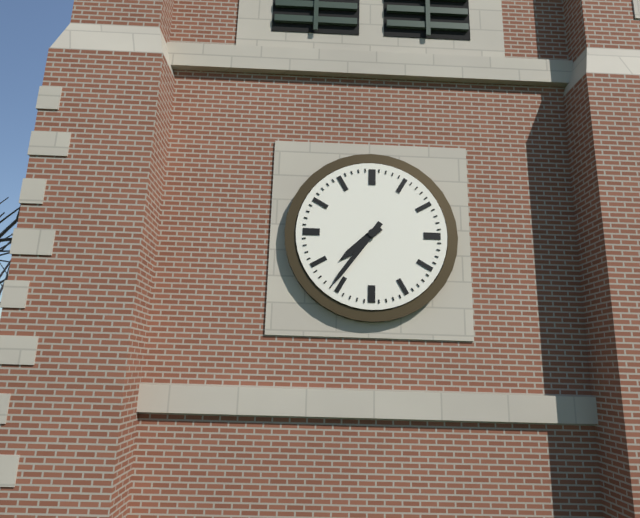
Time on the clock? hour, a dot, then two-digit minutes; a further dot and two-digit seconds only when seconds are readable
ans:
7.36
